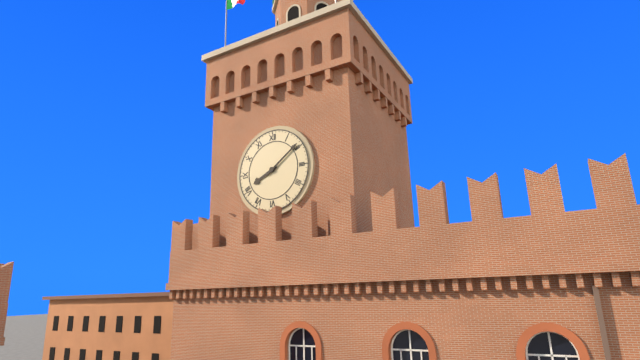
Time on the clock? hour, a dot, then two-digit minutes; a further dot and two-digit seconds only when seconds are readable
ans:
8.09
